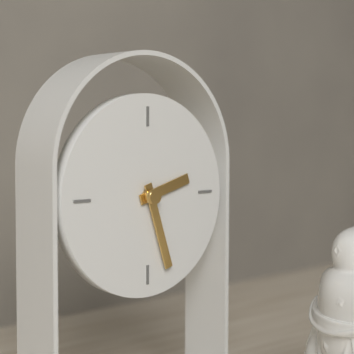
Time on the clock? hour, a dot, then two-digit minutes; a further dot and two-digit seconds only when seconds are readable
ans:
2.27
